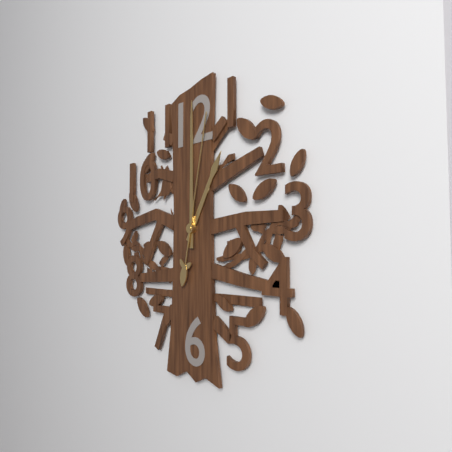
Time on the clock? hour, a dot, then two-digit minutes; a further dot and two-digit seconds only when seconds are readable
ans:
1.00.02
